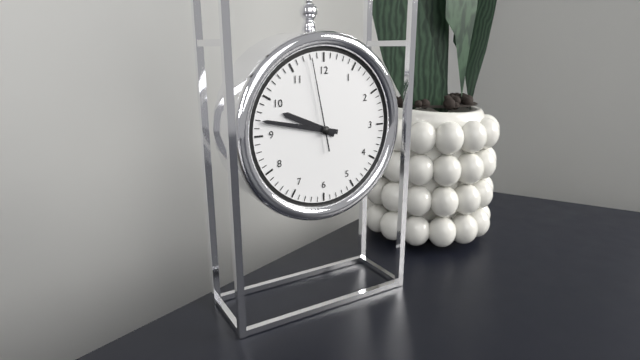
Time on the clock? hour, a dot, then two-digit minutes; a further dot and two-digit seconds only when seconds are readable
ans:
9.47.58
